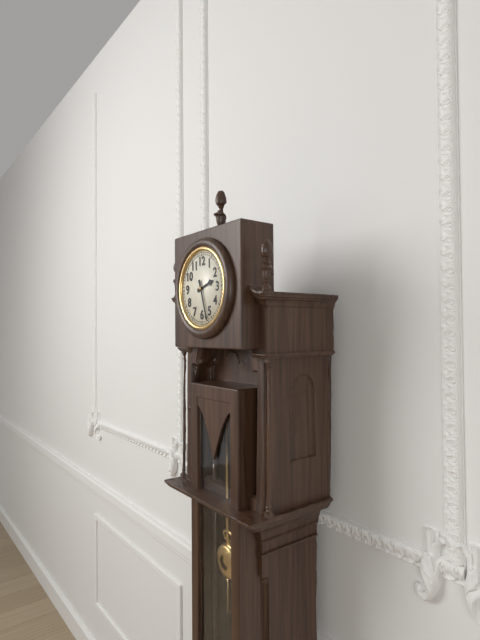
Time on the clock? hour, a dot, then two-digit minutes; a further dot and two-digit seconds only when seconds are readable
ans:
2.27
